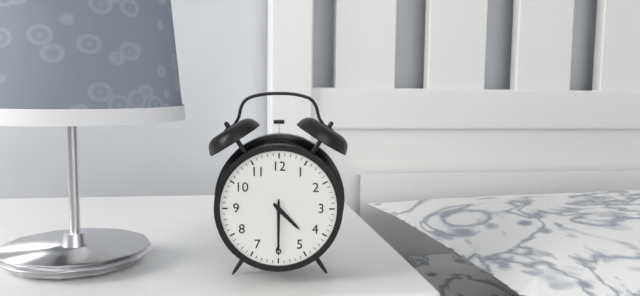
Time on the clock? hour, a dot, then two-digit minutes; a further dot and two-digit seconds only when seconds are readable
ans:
4.30
